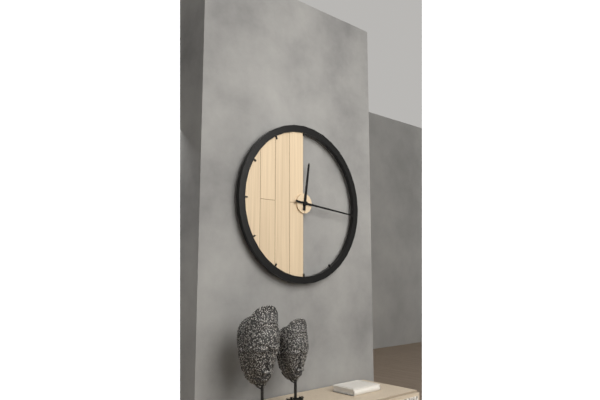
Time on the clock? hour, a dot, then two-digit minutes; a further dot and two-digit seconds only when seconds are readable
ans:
12.16
